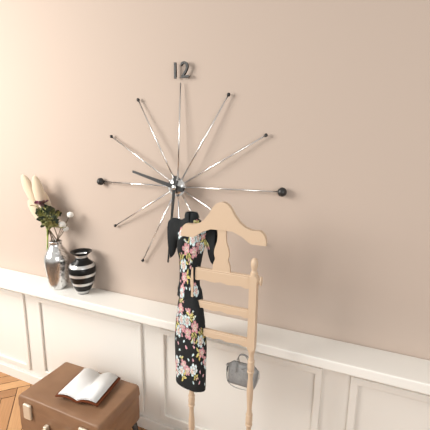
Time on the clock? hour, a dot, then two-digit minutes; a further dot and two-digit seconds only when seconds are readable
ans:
9.31
